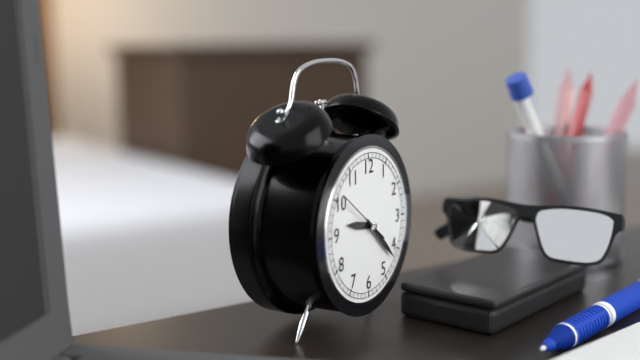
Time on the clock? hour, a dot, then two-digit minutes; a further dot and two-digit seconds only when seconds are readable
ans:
9.22.51
